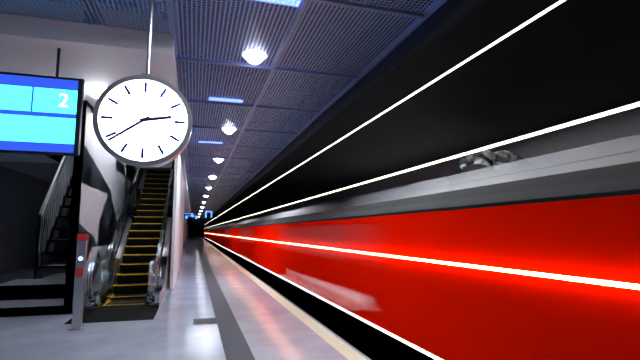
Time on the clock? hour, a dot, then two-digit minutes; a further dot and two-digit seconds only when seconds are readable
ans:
2.39
